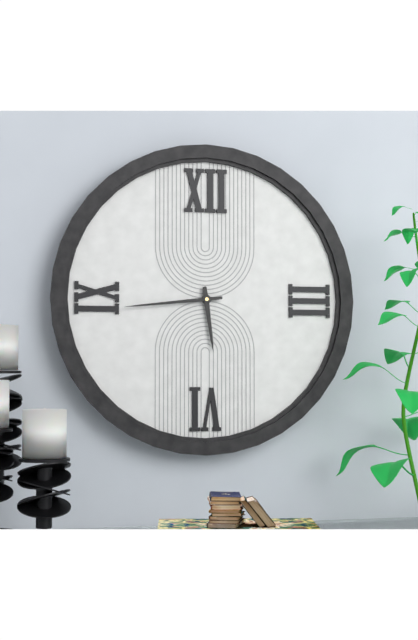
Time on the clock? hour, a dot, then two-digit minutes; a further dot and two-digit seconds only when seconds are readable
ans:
5.44
